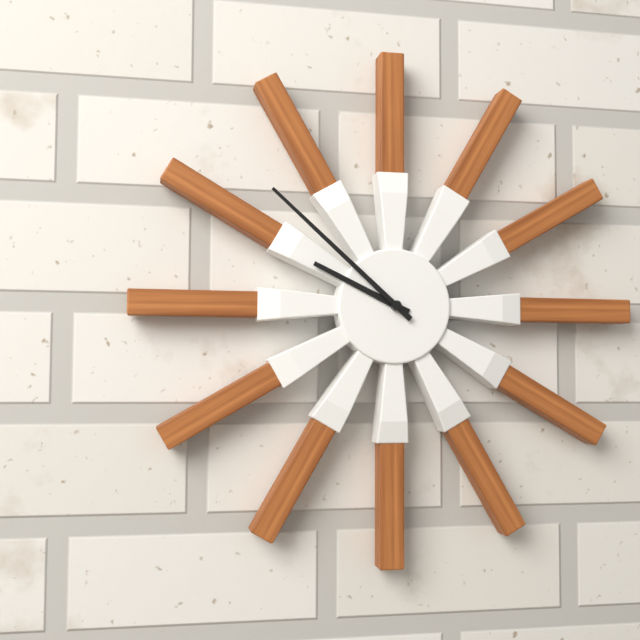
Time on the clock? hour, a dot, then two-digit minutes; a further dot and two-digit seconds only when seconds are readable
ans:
9.52
